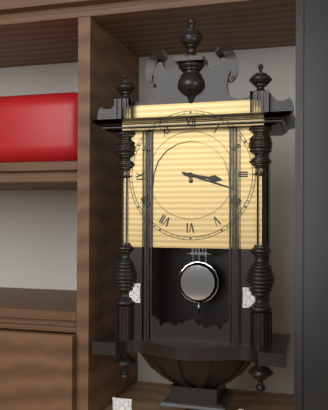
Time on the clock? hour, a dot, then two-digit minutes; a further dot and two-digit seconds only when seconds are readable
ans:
3.18
